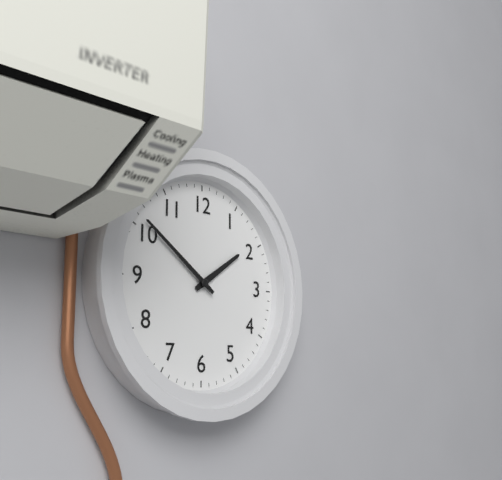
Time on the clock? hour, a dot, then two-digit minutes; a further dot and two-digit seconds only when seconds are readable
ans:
1.51
